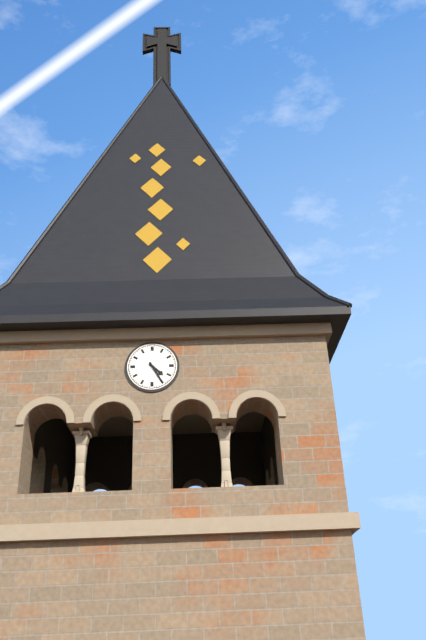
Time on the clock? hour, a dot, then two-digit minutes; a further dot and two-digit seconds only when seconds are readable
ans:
4.25
